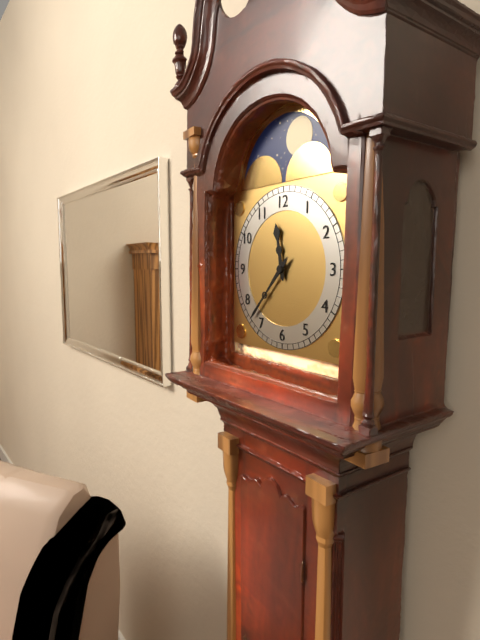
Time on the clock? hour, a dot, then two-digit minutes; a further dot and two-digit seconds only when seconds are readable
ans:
11.37
